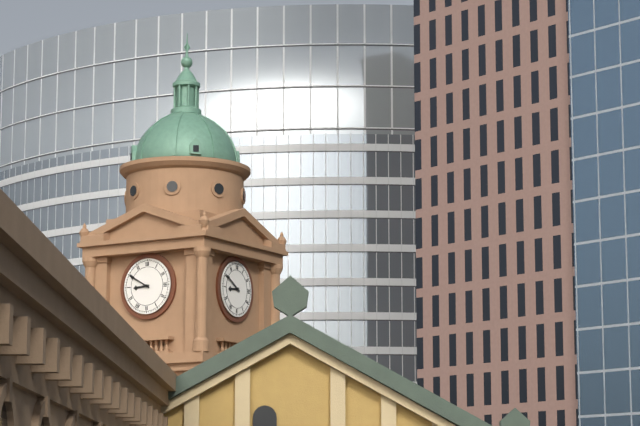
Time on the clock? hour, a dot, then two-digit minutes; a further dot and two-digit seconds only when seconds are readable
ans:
8.50
